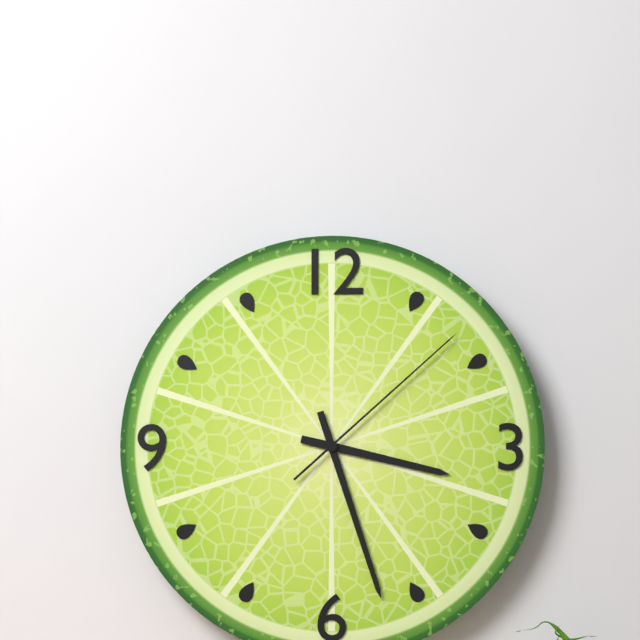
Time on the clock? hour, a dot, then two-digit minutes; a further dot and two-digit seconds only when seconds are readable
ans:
3.27.08
